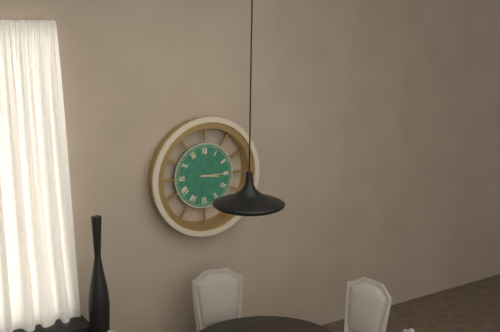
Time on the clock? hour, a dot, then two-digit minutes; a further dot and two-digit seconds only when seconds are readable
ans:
3.15
